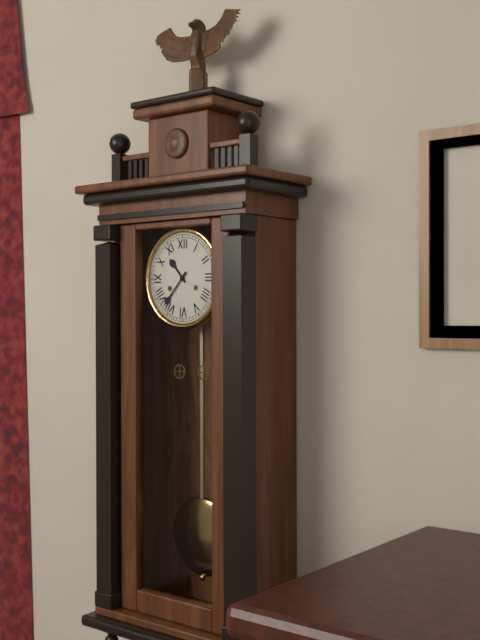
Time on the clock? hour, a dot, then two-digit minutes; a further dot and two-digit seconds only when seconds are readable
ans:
10.37
